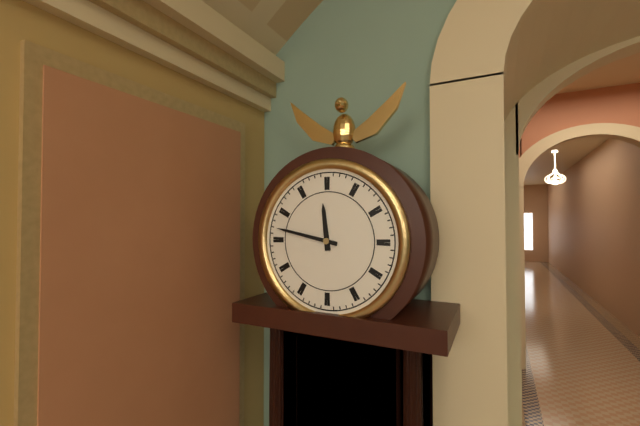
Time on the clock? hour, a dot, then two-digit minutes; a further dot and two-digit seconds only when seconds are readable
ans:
11.47
